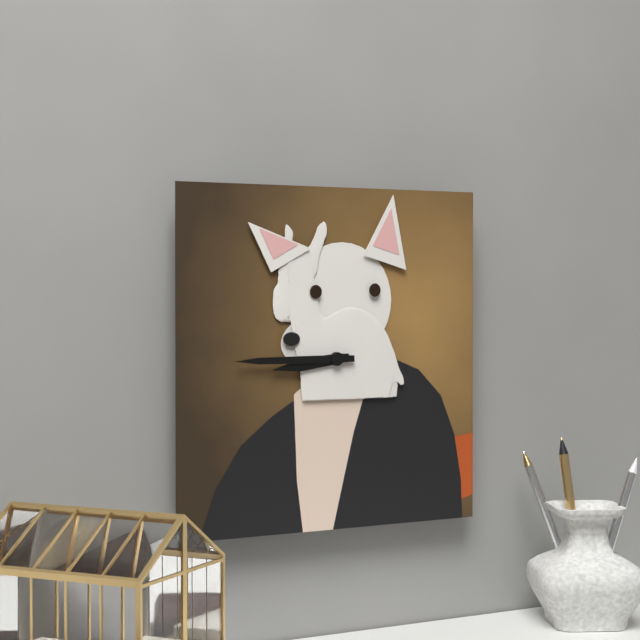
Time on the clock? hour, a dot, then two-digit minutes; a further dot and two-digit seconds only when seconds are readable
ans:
8.45
